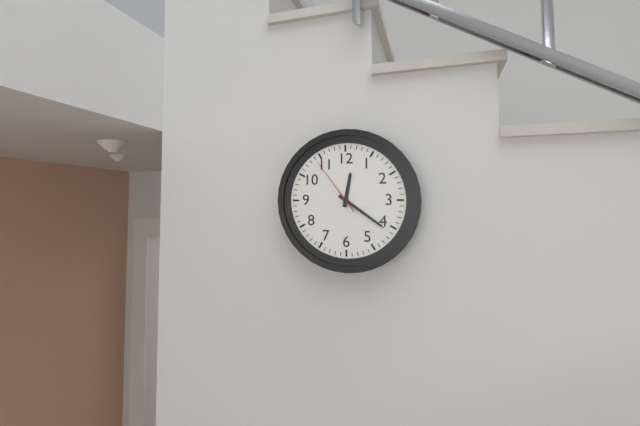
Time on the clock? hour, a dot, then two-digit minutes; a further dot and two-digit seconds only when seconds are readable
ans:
12.21.54
